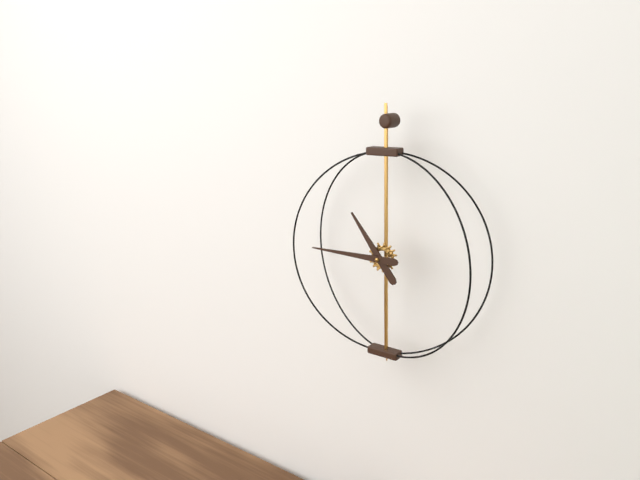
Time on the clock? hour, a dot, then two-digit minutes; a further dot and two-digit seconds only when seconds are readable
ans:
10.45
